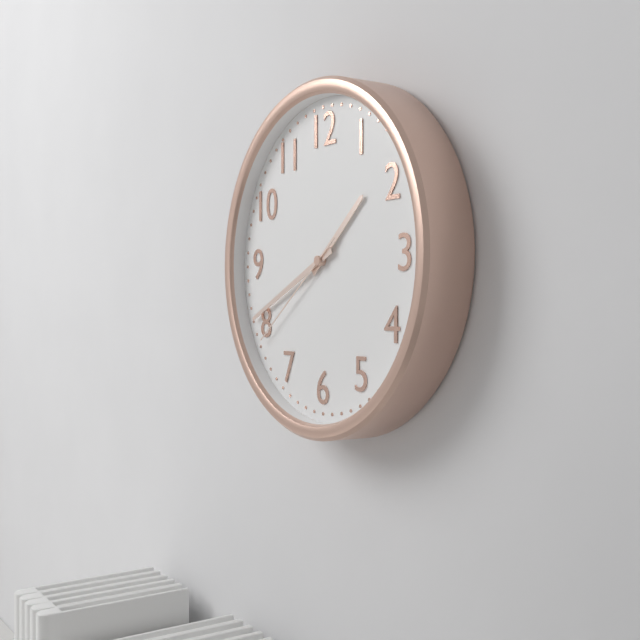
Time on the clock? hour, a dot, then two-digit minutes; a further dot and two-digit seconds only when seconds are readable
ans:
1.41.39
